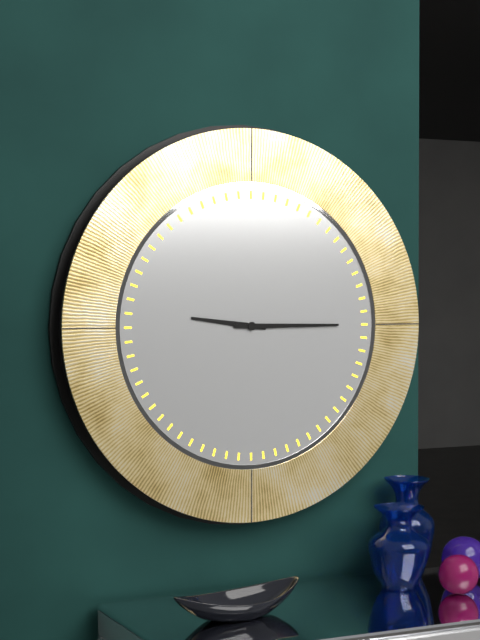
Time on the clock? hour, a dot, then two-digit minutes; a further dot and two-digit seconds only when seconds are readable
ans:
9.15
